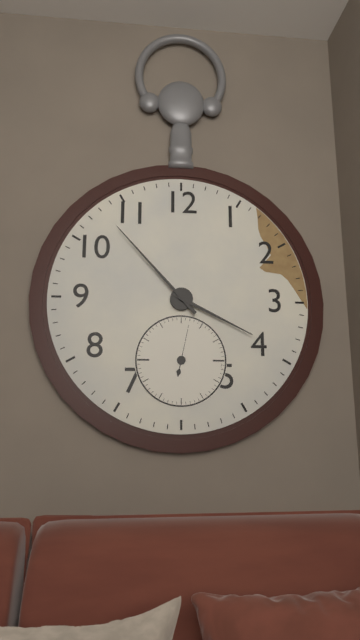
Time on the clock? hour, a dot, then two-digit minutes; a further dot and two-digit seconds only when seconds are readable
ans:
3.53
